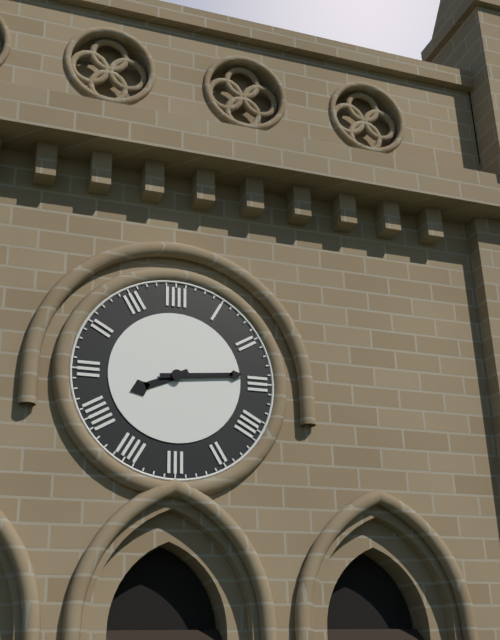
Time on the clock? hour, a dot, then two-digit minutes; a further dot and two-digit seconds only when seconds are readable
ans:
8.14
